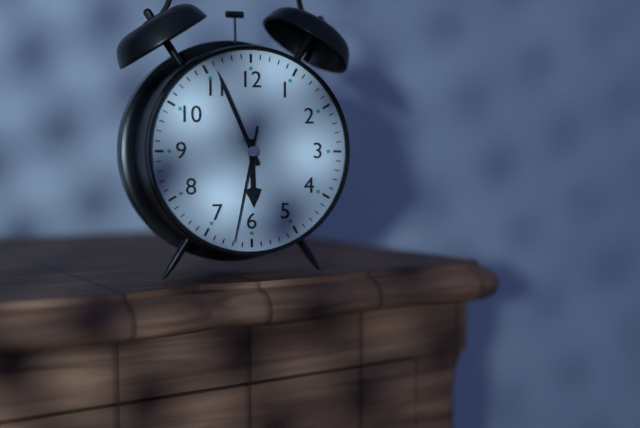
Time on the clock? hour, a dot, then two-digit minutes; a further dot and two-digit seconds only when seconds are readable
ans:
5.56.32
